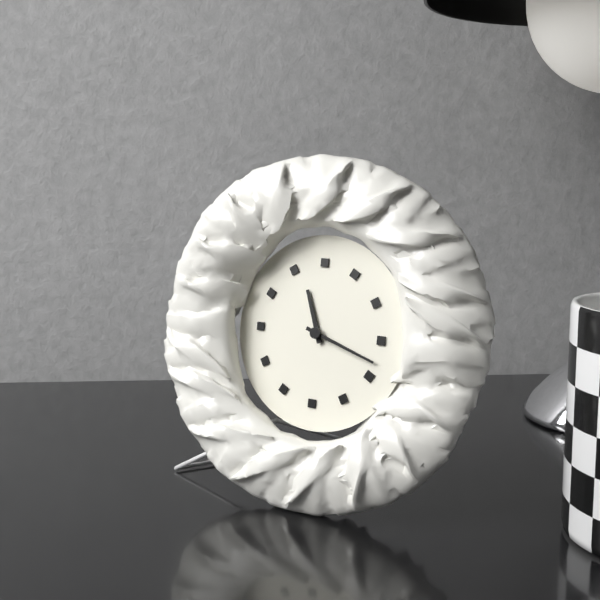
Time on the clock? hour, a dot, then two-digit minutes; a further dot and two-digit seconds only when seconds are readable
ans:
11.18
